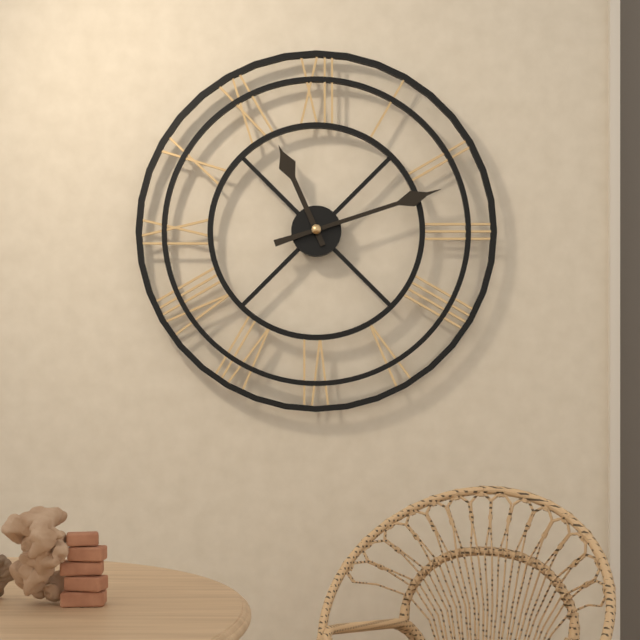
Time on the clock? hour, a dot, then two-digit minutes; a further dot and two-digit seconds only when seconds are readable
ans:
11.12
